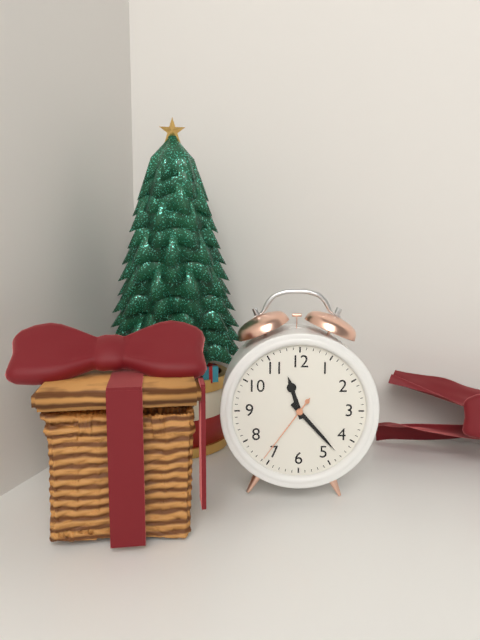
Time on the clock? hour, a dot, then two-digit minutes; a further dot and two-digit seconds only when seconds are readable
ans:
11.23.36
